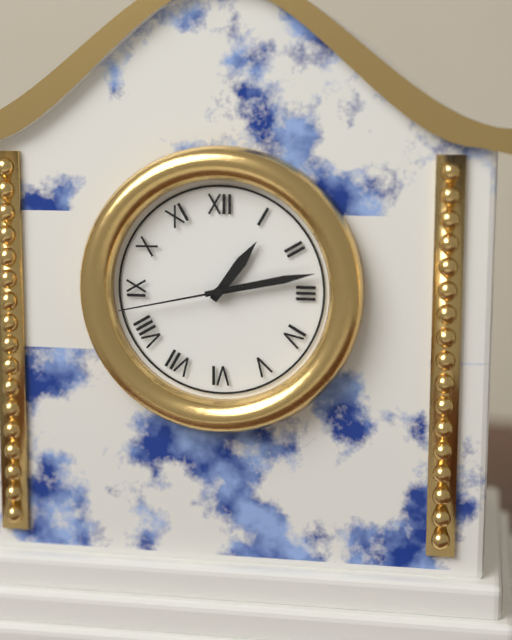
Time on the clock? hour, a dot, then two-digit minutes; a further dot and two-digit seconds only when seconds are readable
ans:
1.13.43
